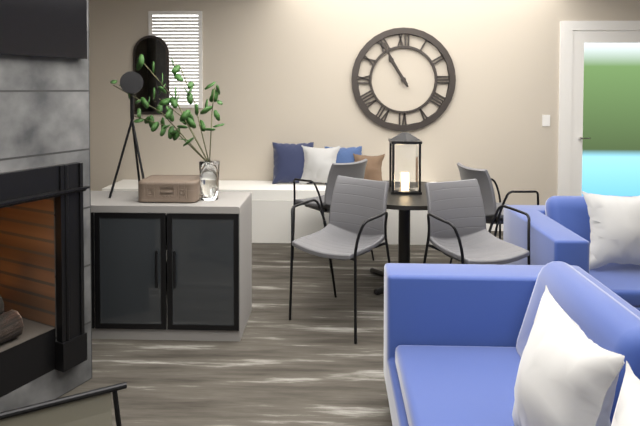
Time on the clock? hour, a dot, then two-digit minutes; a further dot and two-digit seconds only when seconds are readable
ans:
10.55
